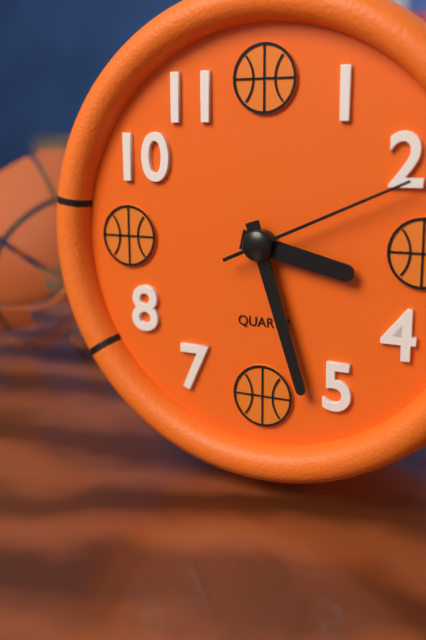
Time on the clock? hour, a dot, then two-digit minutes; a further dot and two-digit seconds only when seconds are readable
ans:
3.27.11
